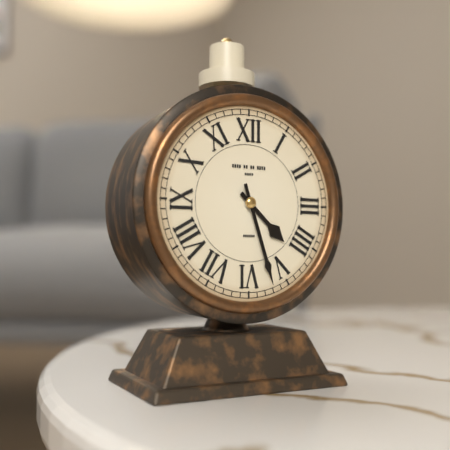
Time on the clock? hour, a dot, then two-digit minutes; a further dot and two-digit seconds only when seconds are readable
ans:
4.27
